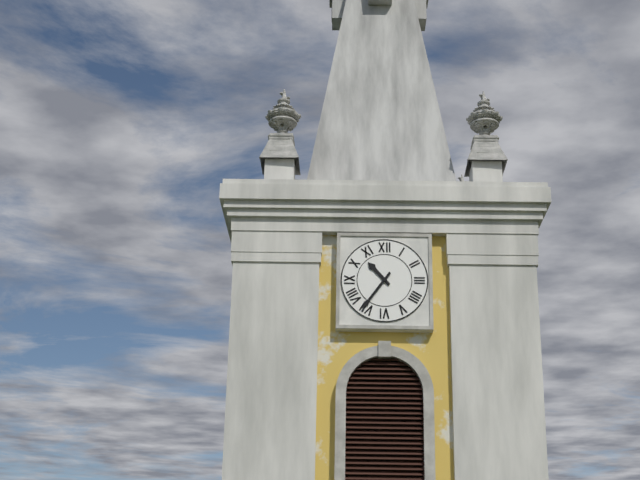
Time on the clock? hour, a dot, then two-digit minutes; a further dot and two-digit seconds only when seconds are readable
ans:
10.36
